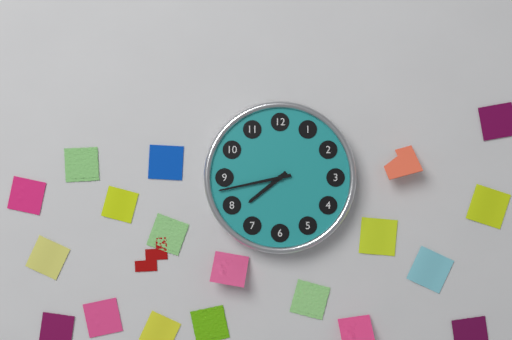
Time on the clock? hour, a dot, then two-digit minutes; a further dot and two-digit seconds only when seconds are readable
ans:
7.43
